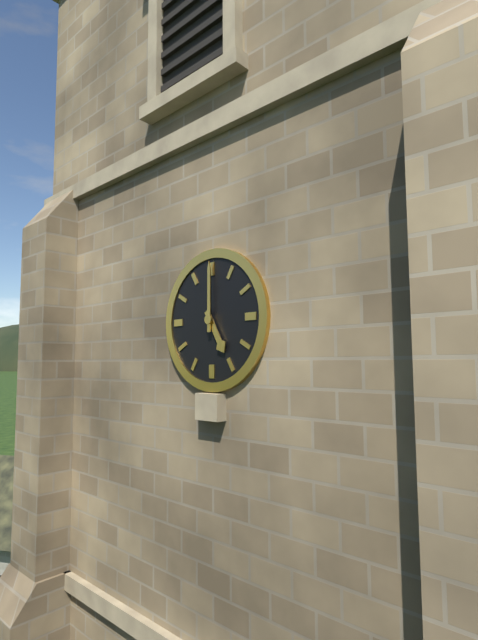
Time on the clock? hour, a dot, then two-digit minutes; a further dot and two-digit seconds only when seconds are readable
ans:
5.00
